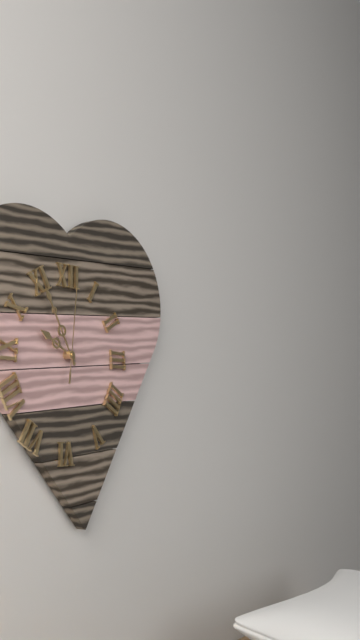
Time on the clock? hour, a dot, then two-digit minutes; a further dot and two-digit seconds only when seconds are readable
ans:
9.55.01
